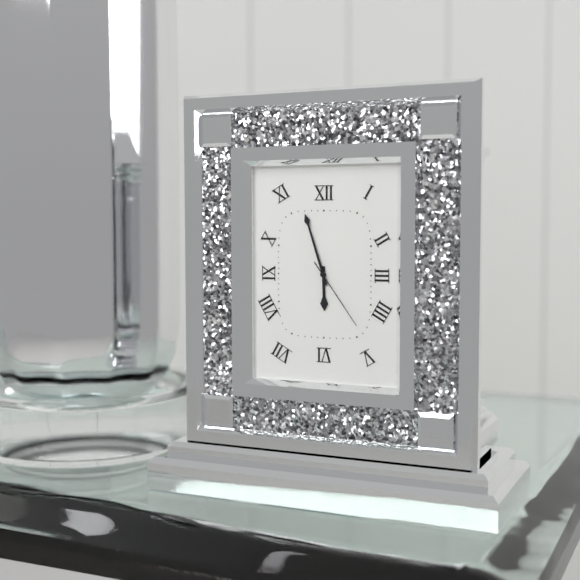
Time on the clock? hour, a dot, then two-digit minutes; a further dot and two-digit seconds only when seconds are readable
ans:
5.57.24
